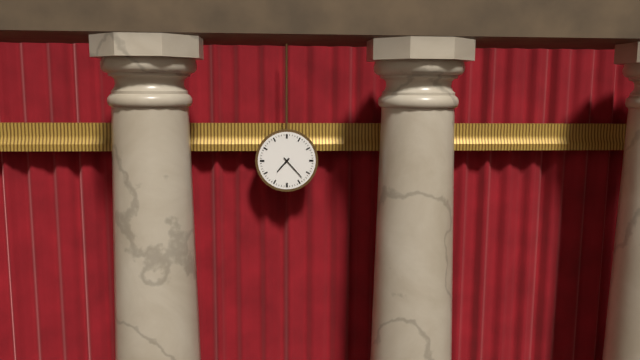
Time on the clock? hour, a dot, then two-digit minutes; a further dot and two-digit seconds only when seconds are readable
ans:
7.23
